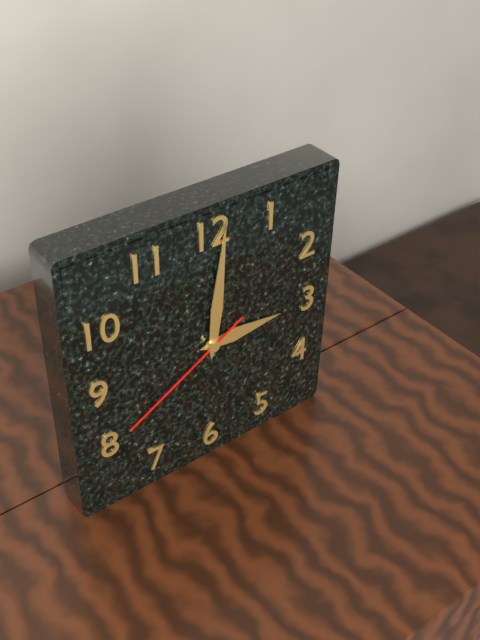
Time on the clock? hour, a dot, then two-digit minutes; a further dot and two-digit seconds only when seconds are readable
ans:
3.01.40
